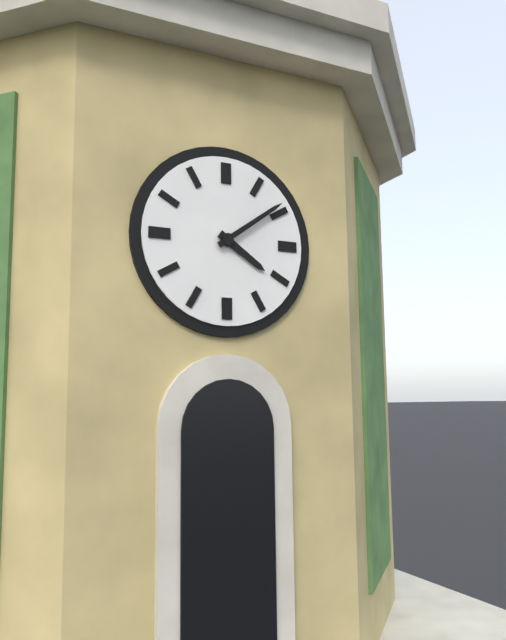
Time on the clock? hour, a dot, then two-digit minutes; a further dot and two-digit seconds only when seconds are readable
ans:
4.09
